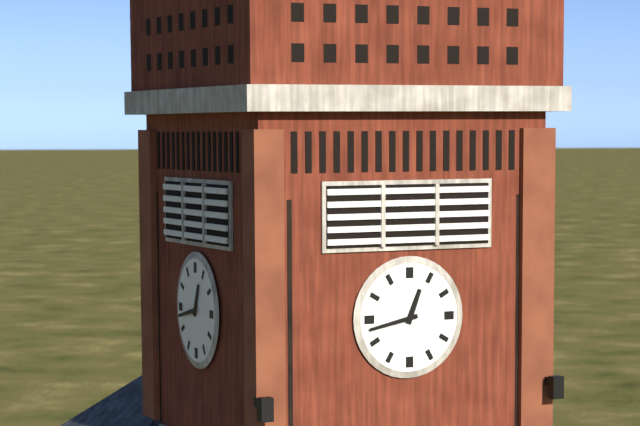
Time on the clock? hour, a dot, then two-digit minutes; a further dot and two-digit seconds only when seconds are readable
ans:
12.43
